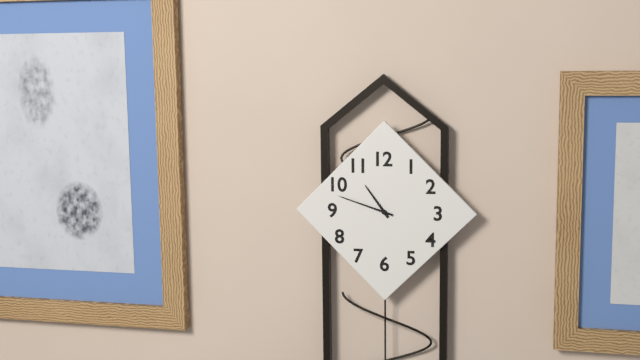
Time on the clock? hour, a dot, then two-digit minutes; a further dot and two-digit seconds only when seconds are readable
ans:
10.48
